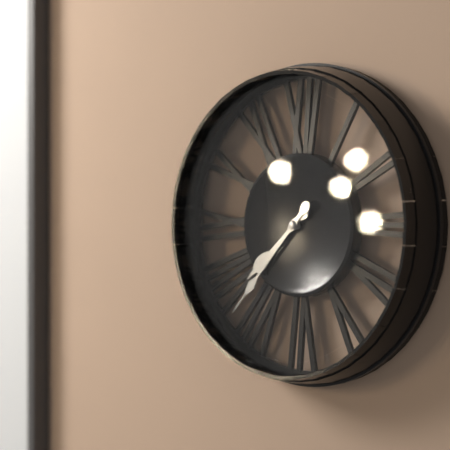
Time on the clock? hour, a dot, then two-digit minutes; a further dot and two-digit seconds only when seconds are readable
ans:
7.37
